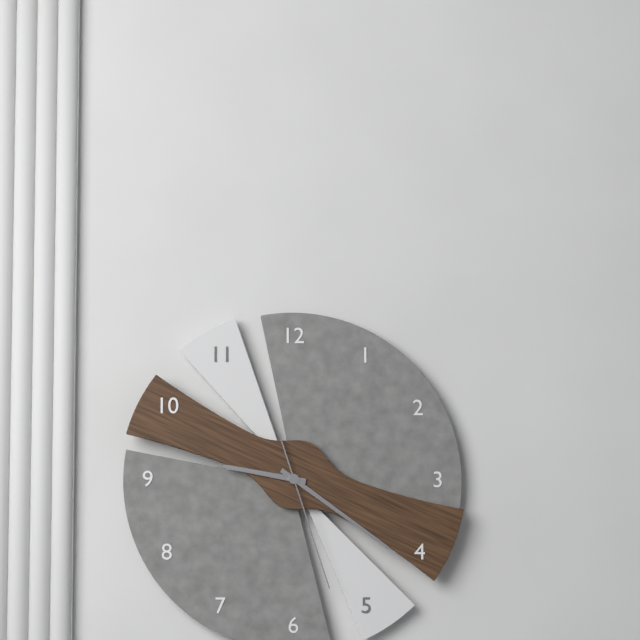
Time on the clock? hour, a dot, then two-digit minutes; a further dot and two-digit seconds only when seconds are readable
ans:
9.21.27
